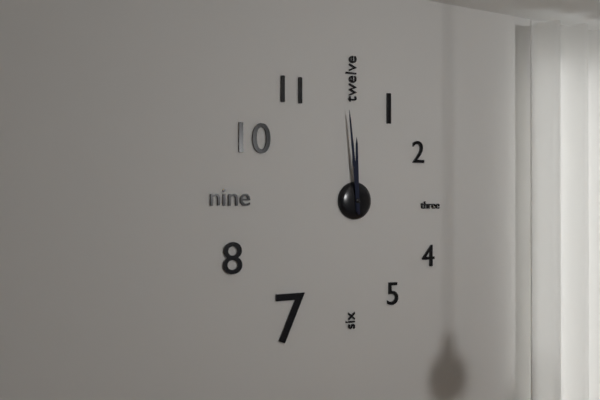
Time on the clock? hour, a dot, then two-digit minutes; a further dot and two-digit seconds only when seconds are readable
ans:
11.59
